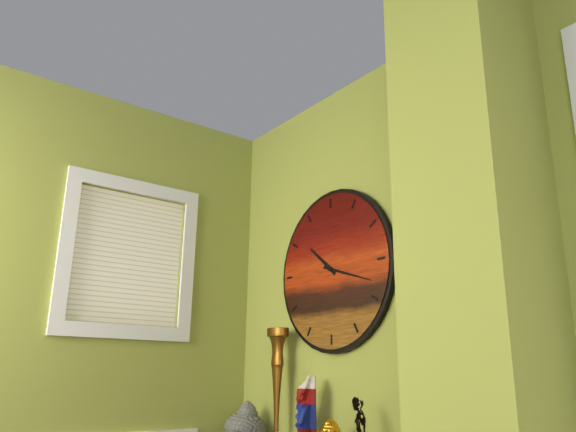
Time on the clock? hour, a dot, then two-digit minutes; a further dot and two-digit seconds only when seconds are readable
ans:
10.18
